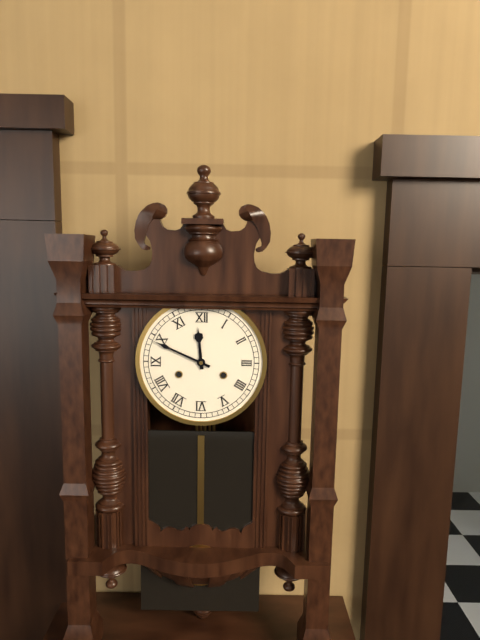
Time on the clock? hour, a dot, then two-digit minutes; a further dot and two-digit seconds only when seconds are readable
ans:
11.49
